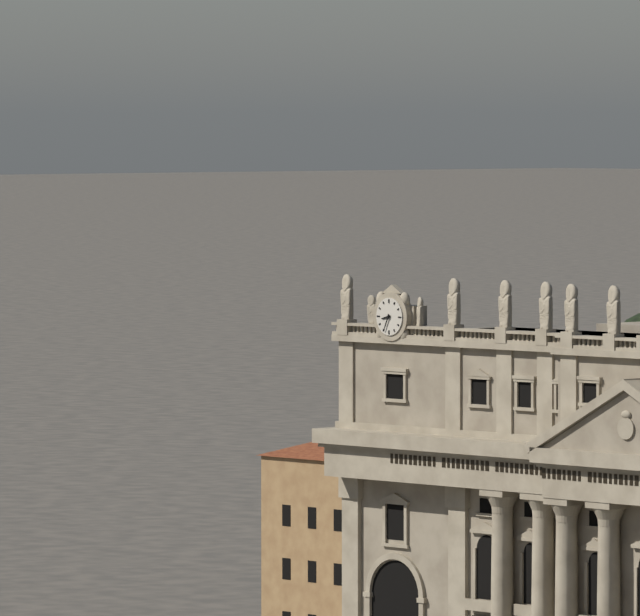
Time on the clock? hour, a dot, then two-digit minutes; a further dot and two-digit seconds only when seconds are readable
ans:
8.34
